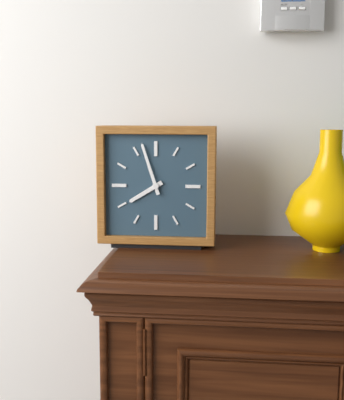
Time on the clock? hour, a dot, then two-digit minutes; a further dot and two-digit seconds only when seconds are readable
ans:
7.57
